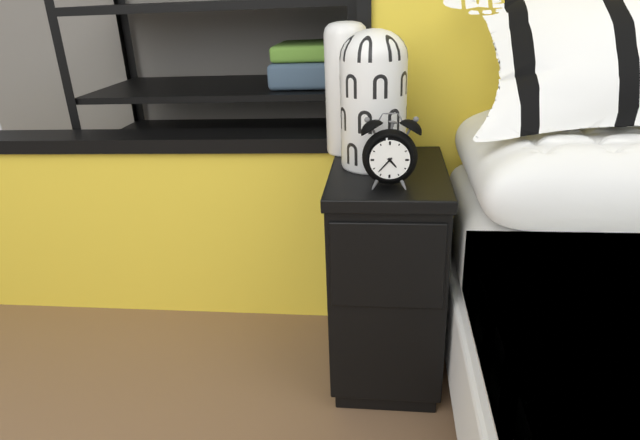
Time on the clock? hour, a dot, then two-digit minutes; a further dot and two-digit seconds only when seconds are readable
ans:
4.37
